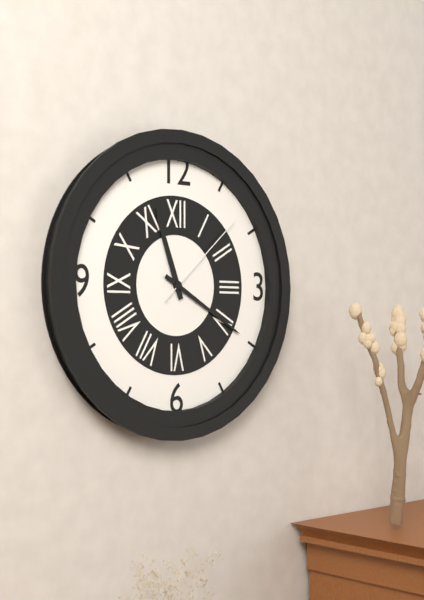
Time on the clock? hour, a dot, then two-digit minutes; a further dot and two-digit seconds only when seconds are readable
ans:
11.20.08
